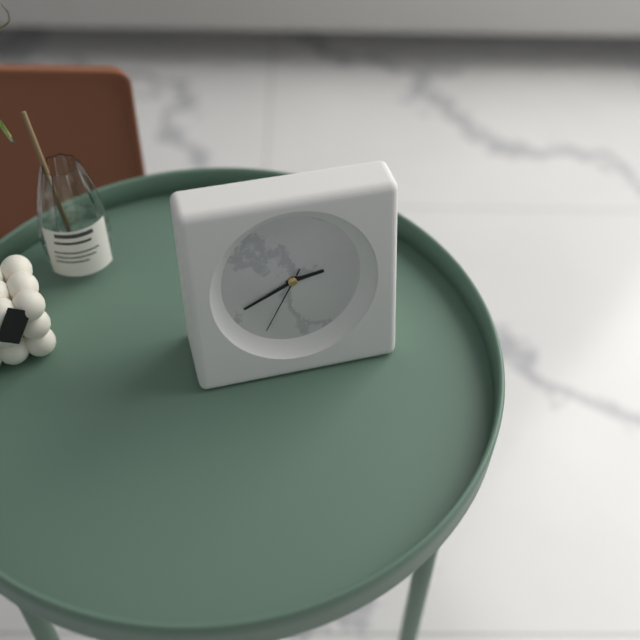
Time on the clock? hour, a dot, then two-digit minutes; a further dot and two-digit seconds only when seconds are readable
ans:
2.41.35
